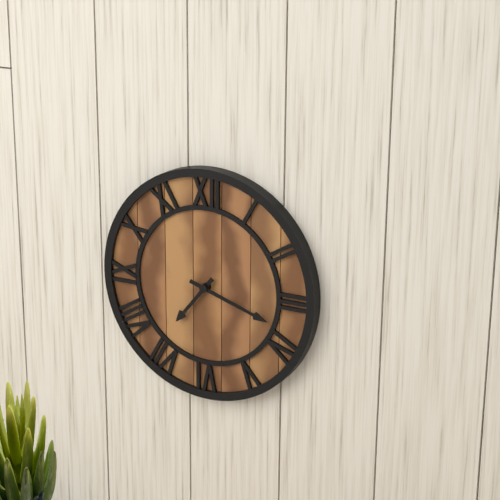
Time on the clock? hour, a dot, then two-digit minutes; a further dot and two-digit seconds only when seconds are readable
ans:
7.18
